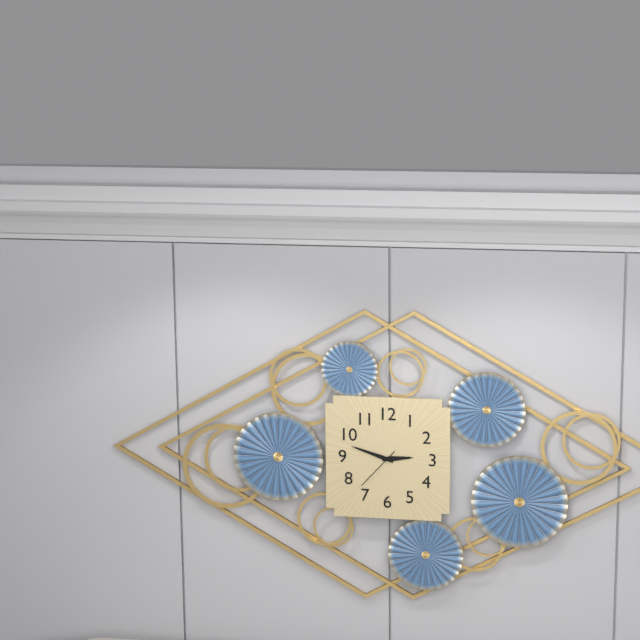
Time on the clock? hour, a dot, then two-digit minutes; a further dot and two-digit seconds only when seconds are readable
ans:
2.48
